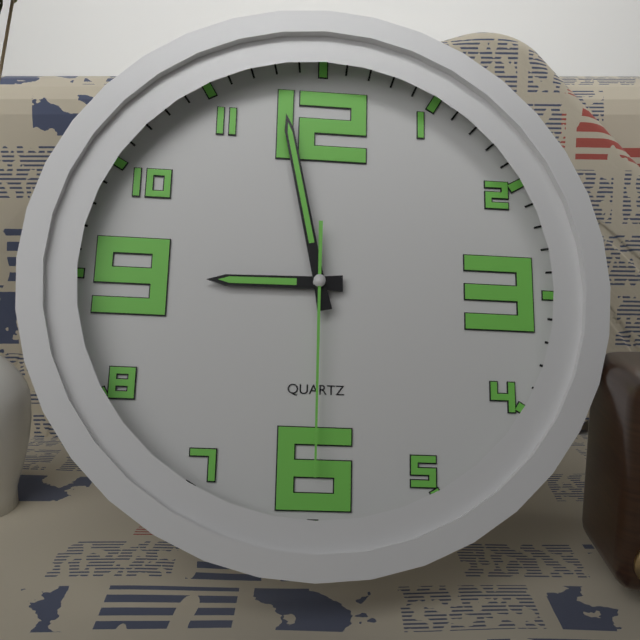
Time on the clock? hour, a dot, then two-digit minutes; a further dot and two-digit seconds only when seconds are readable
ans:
8.58.30
